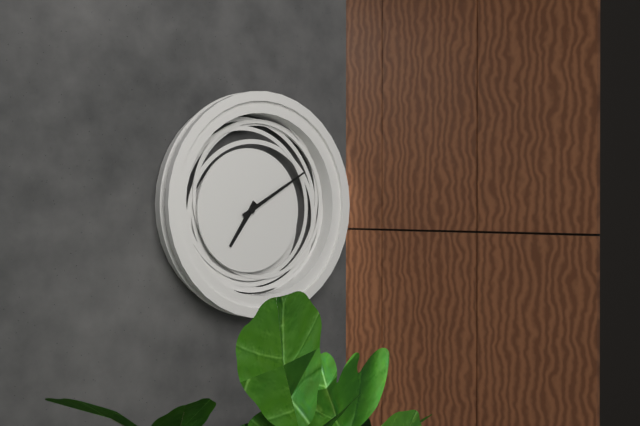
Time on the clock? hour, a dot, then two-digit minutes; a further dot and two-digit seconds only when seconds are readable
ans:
7.10
